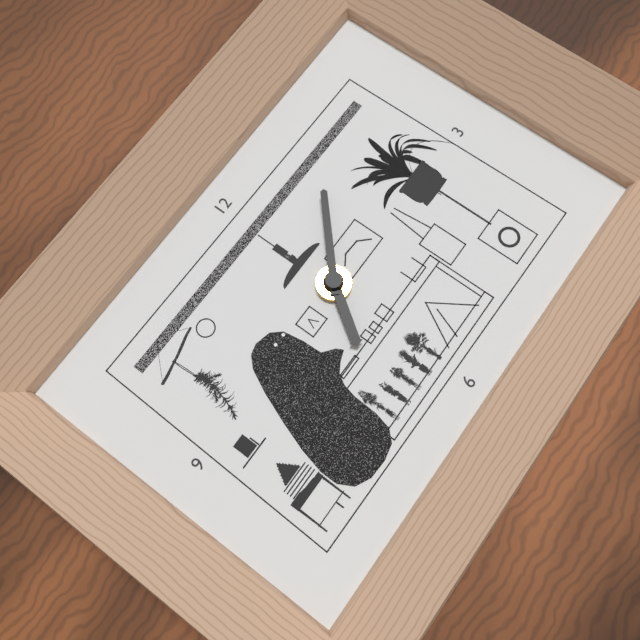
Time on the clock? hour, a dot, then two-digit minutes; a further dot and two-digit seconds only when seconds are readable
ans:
7.08
